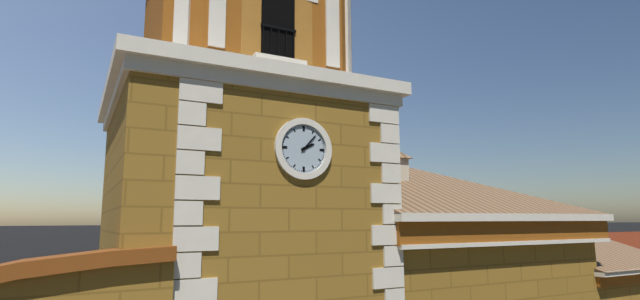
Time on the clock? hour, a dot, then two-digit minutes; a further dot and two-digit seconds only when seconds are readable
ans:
2.07
